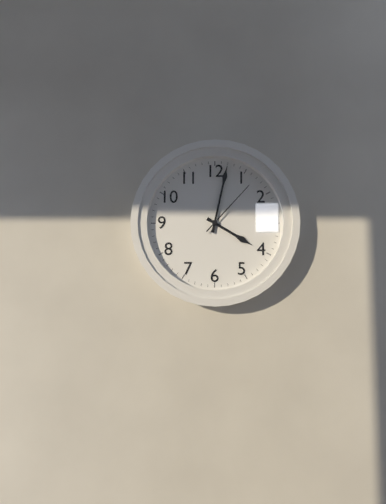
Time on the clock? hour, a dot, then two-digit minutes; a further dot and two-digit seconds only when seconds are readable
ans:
4.02.07
